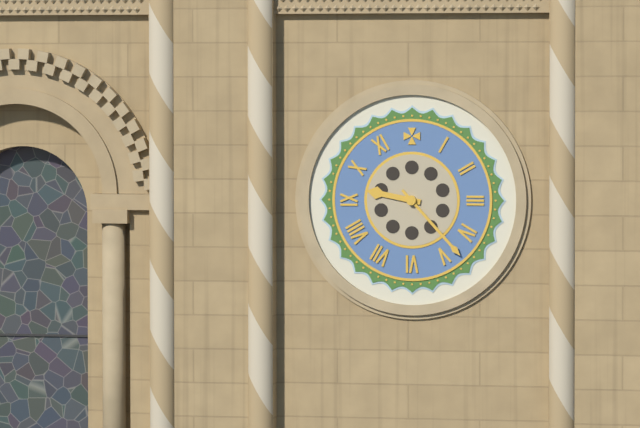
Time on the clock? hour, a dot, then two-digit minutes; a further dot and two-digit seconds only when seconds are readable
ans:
9.23
